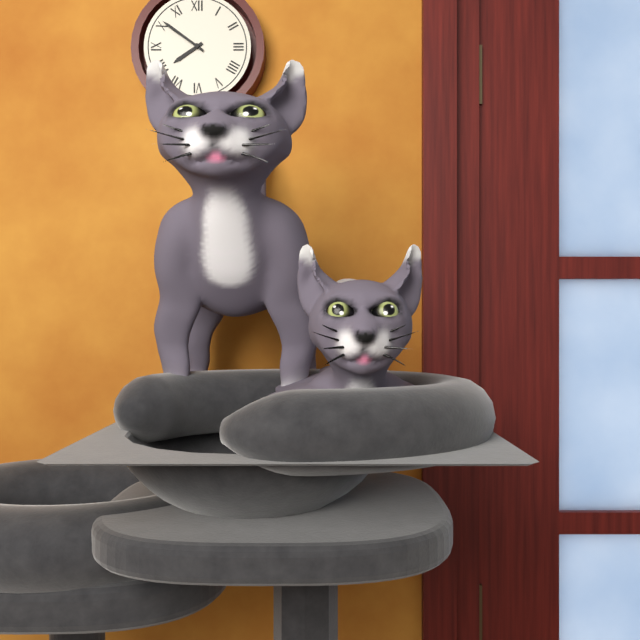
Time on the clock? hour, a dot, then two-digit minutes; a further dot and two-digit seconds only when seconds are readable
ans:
7.51
